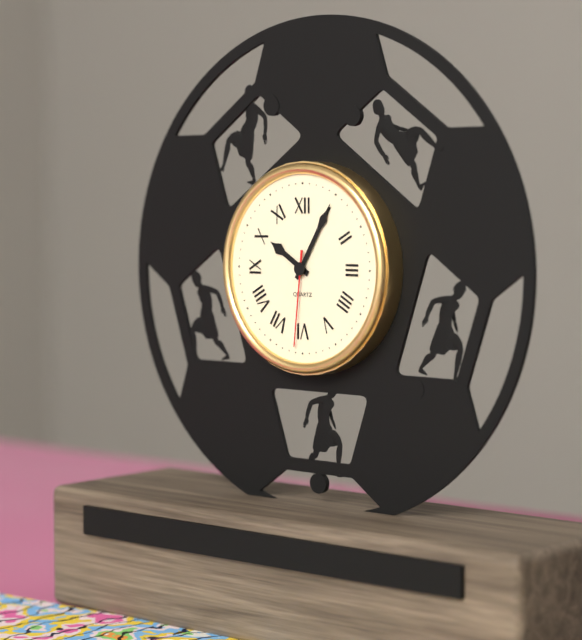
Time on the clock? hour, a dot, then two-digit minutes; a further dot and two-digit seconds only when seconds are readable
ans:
10.05.31
